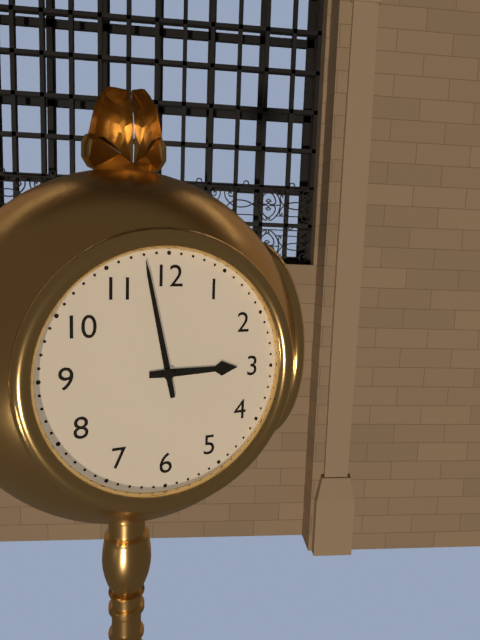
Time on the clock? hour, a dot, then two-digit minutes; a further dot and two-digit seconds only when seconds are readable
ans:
2.58
